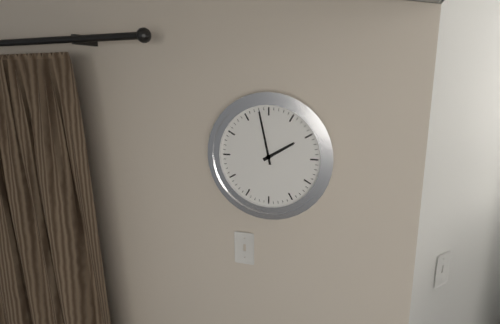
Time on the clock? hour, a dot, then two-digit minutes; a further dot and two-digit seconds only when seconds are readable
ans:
1.58
